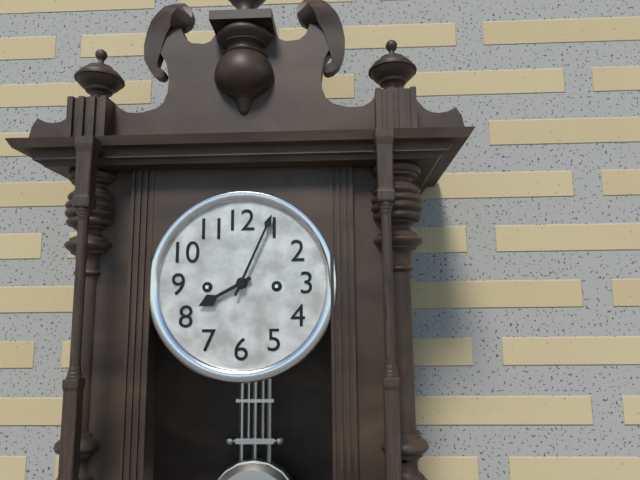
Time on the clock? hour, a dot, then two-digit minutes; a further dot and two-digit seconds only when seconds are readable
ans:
8.04
